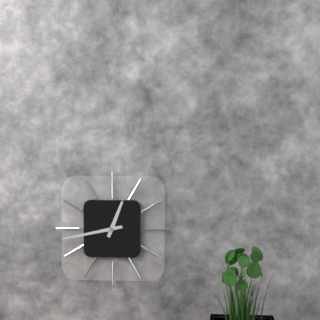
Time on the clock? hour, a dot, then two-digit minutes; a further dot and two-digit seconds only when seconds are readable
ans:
12.43
